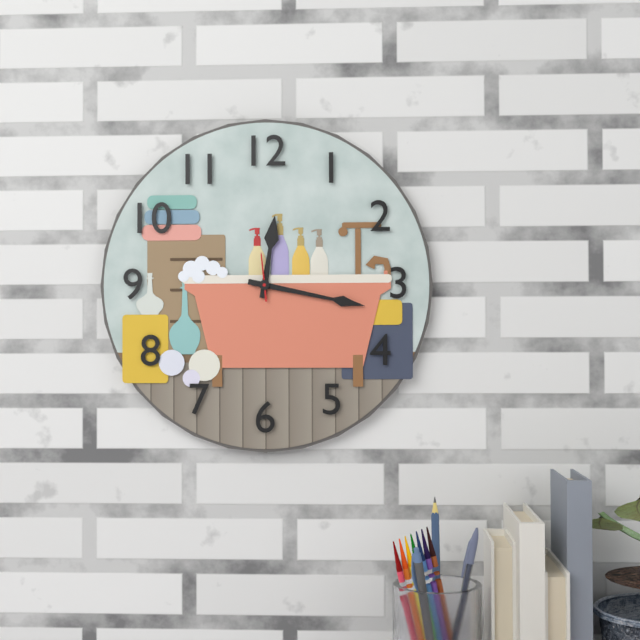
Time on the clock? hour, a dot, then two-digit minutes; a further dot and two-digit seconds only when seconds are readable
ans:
12.17
